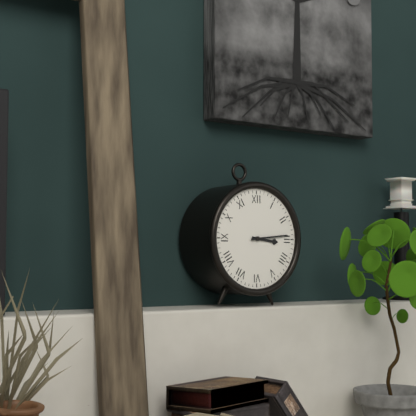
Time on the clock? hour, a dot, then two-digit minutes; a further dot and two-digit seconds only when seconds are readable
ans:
3.14
